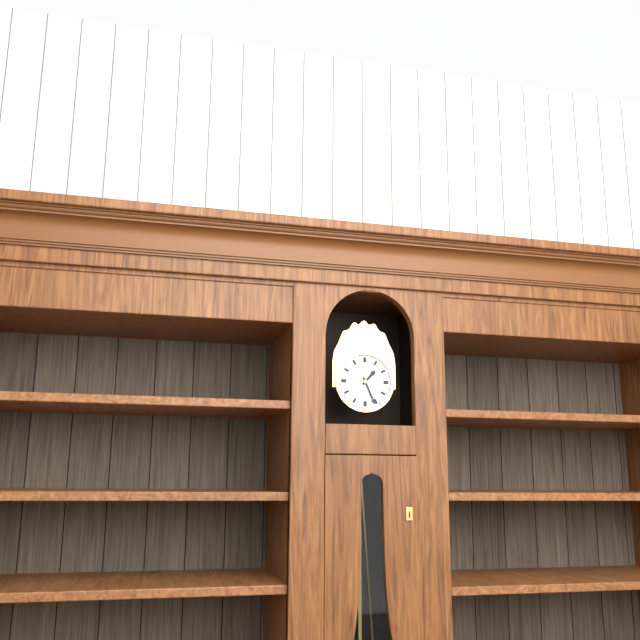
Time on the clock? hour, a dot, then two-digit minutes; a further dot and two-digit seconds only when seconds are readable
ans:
1.26
